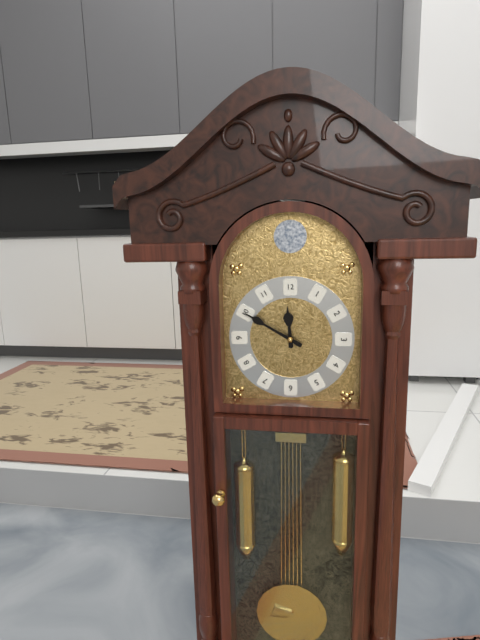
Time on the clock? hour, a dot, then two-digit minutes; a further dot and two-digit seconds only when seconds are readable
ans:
11.50
